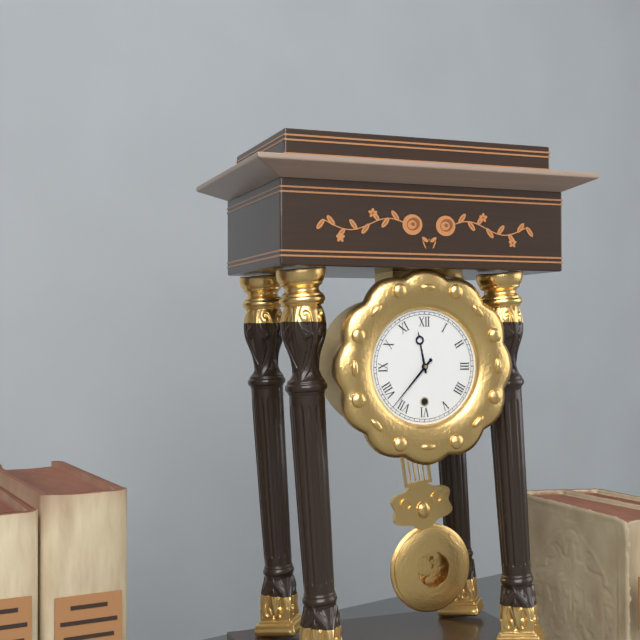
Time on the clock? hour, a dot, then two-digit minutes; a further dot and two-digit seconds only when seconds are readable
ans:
11.37
